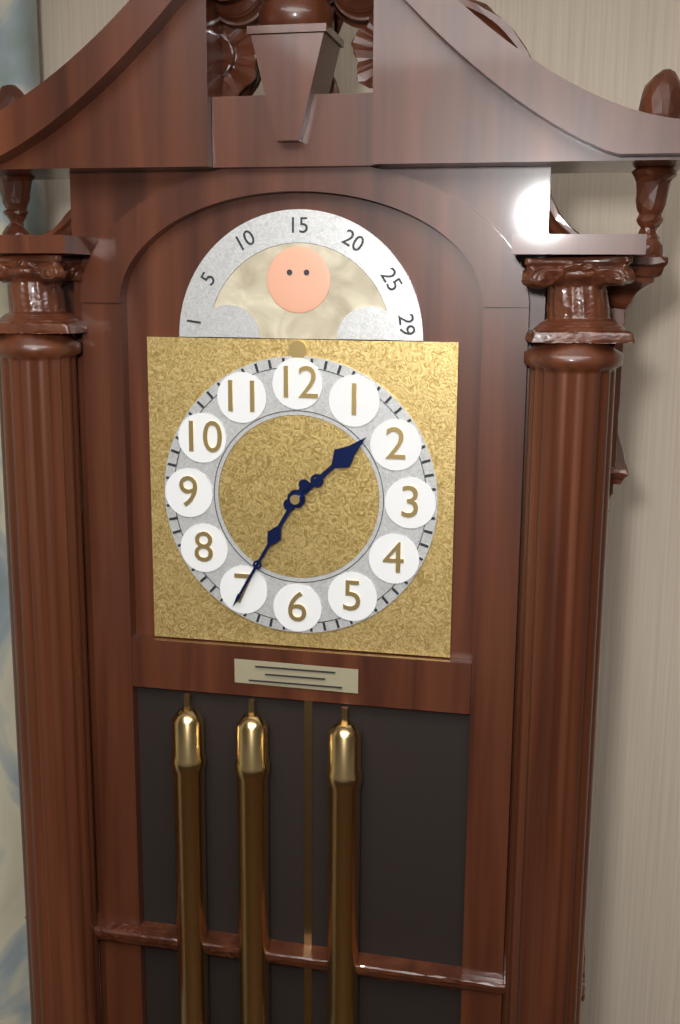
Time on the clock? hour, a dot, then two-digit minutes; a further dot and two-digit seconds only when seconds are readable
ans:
1.35
